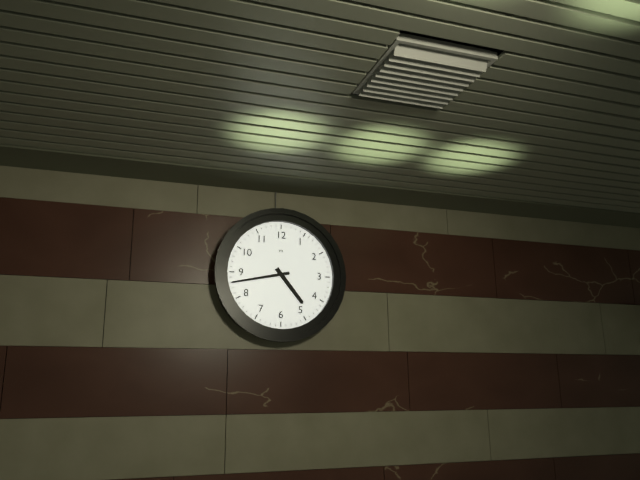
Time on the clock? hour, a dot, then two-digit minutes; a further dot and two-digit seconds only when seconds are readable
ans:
4.43
